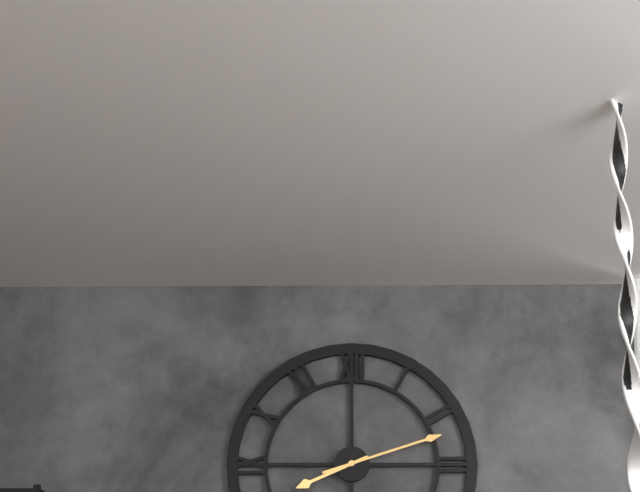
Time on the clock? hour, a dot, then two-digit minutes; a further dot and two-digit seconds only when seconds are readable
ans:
8.12
